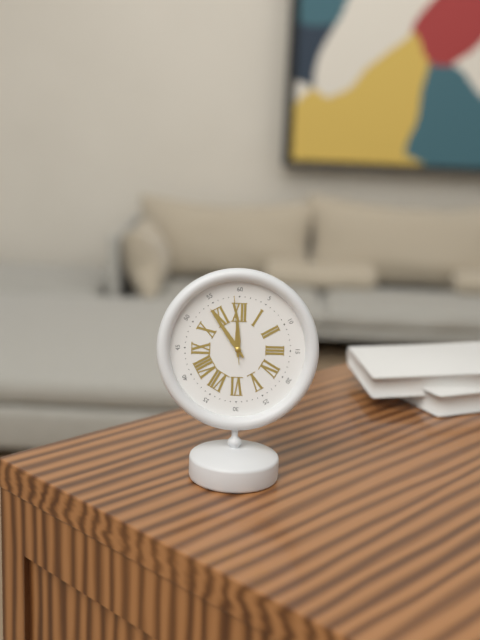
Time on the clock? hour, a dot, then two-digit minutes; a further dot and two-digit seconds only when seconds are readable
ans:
11.54.59
